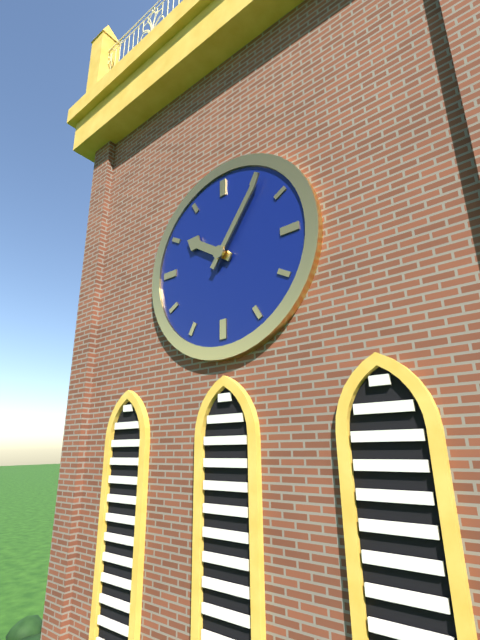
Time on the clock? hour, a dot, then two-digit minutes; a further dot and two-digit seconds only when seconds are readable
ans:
10.06
